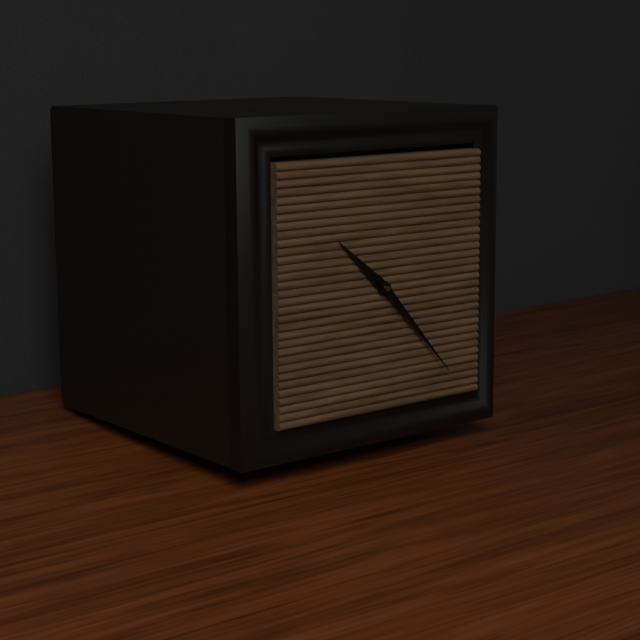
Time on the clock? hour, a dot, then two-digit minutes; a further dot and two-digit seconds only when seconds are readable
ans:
10.23
